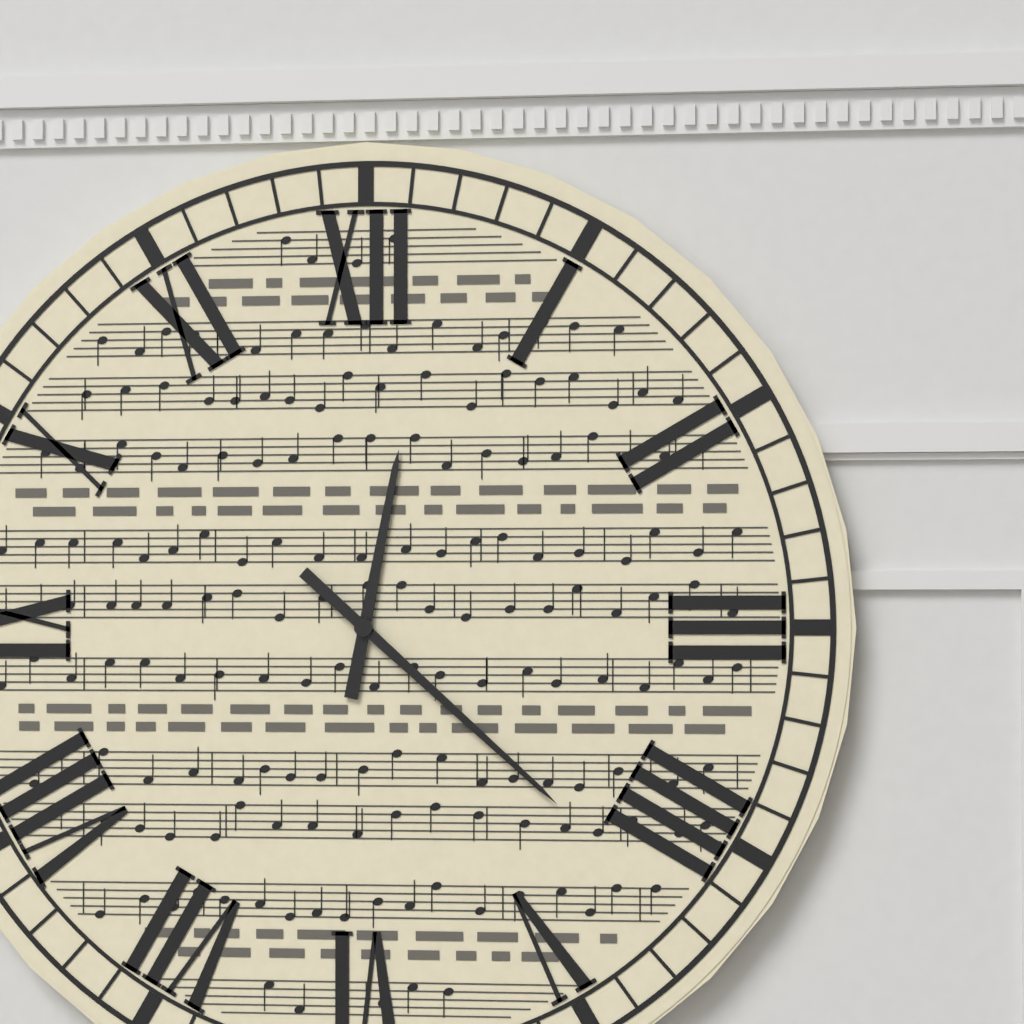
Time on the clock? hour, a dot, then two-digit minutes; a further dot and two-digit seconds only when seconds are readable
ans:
12.22
